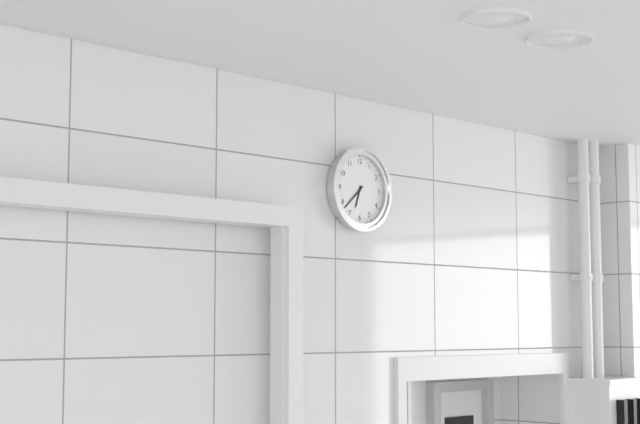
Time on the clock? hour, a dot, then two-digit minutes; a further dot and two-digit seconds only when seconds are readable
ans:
6.38
